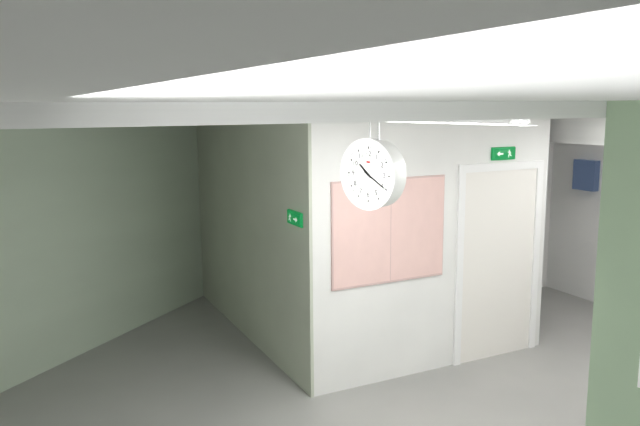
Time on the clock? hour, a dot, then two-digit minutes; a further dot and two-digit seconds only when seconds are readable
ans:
10.20
